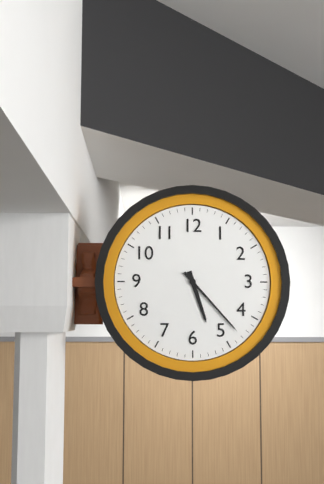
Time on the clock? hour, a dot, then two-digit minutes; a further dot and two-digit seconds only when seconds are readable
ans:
5.23
